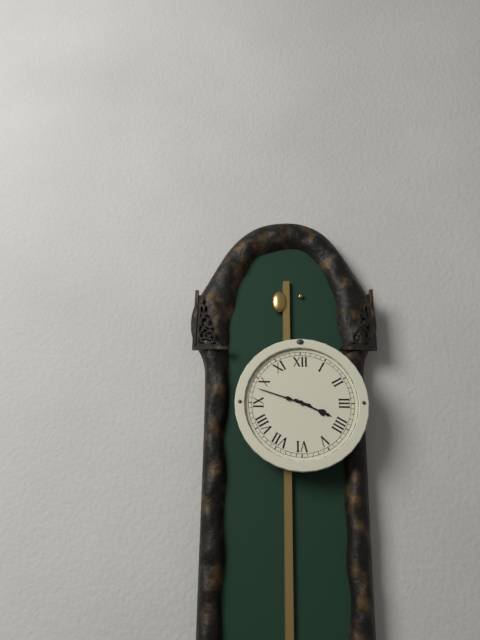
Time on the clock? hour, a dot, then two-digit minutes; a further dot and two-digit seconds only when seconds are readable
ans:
3.48
